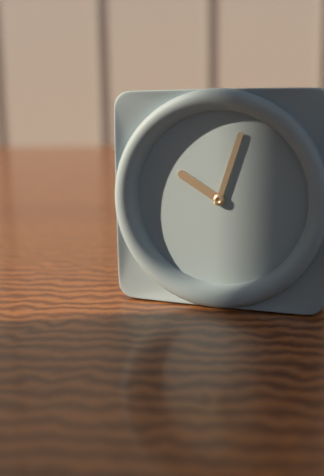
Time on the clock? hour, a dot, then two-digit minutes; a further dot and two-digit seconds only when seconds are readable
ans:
10.03
